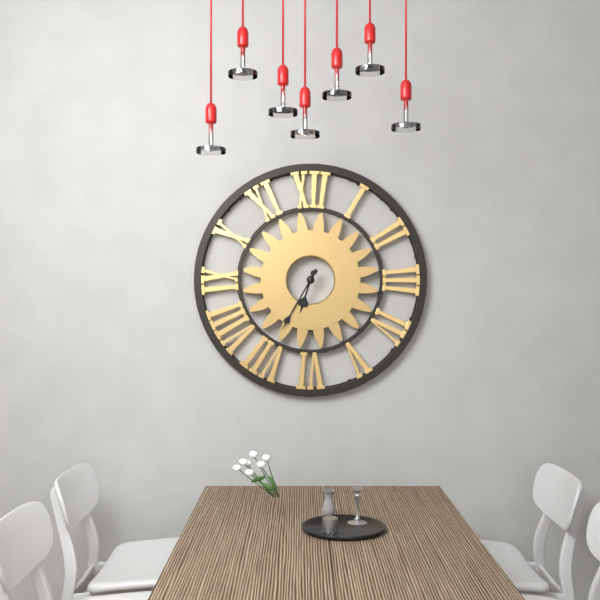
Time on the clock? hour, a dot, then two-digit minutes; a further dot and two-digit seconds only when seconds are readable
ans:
6.35
